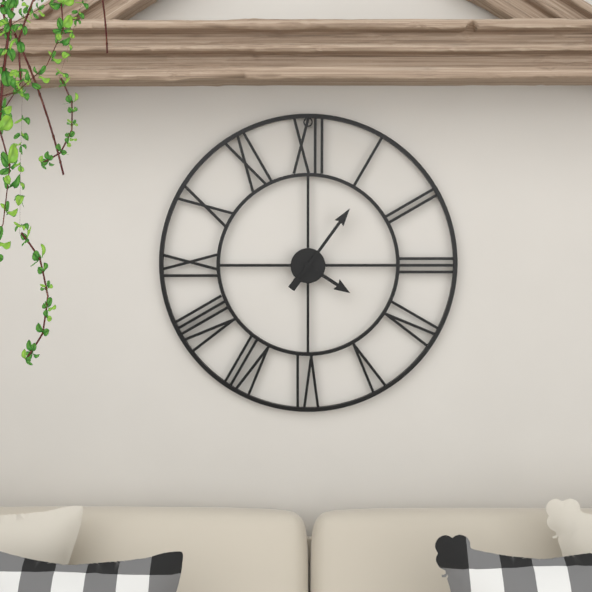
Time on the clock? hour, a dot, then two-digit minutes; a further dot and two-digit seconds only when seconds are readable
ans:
4.06
